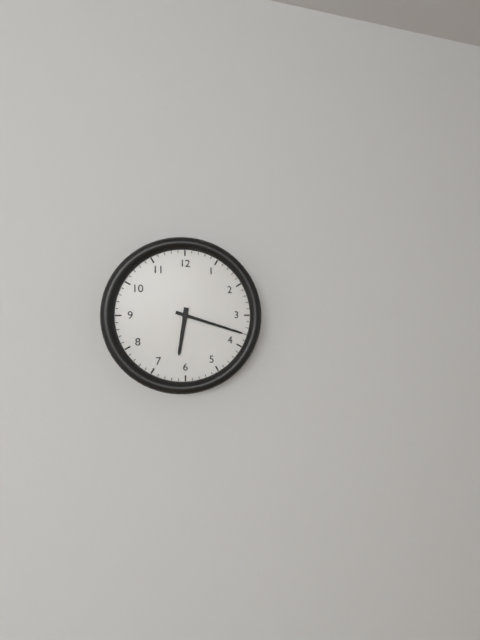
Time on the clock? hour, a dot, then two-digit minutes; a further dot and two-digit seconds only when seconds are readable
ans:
6.18
